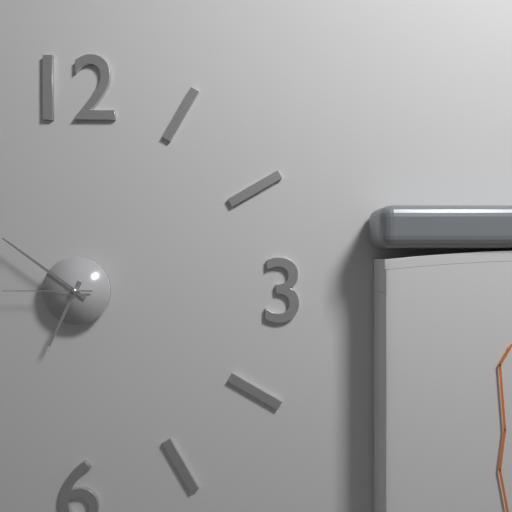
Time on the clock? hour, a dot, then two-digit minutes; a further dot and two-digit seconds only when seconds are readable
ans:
6.51.45
